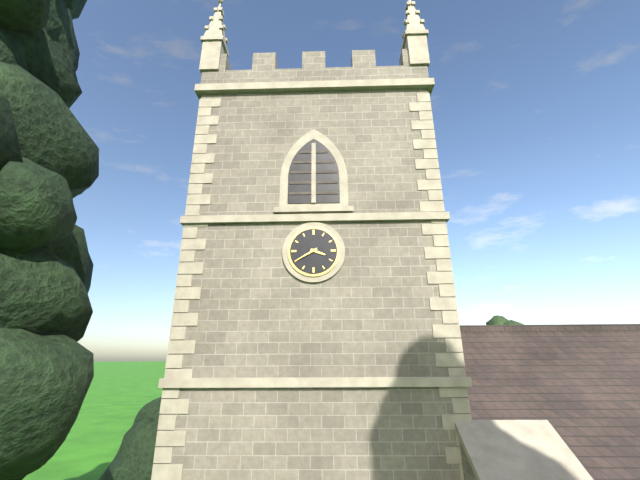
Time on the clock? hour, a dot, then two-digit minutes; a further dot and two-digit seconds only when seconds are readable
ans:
3.40
